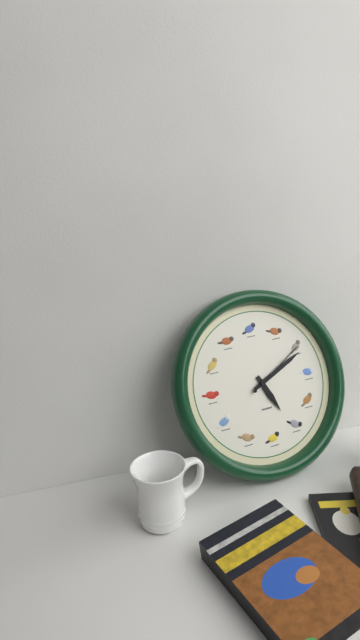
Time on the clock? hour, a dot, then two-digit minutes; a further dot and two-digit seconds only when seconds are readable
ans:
5.11.10
